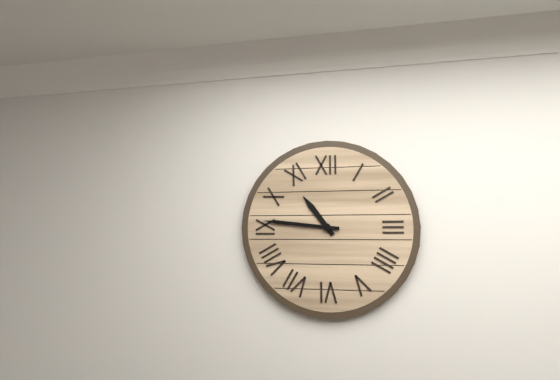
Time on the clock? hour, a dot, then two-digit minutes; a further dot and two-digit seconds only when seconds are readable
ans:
10.46
